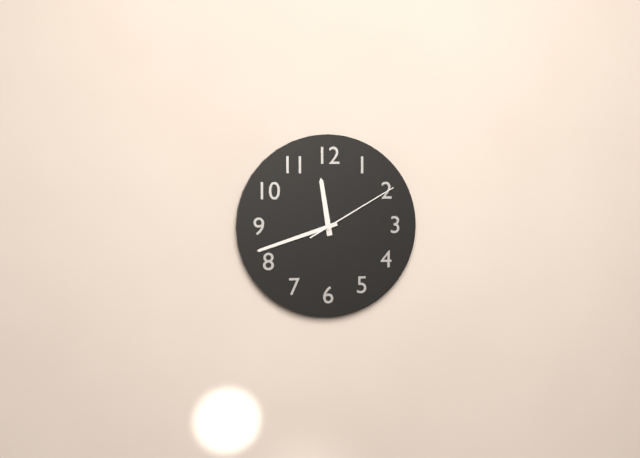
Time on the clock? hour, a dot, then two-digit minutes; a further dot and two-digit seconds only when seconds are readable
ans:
11.42.10
